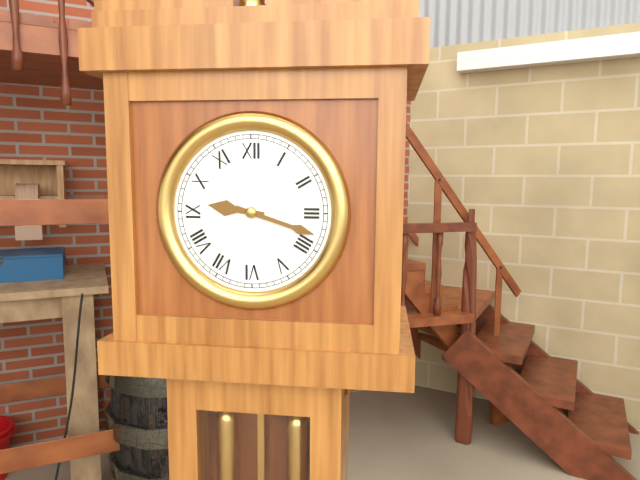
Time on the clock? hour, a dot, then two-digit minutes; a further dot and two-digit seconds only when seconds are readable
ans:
9.18
